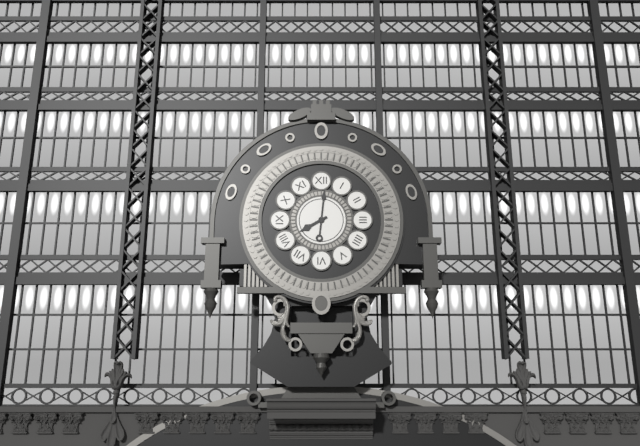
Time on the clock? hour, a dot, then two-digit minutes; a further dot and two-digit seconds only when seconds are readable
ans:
8.01
